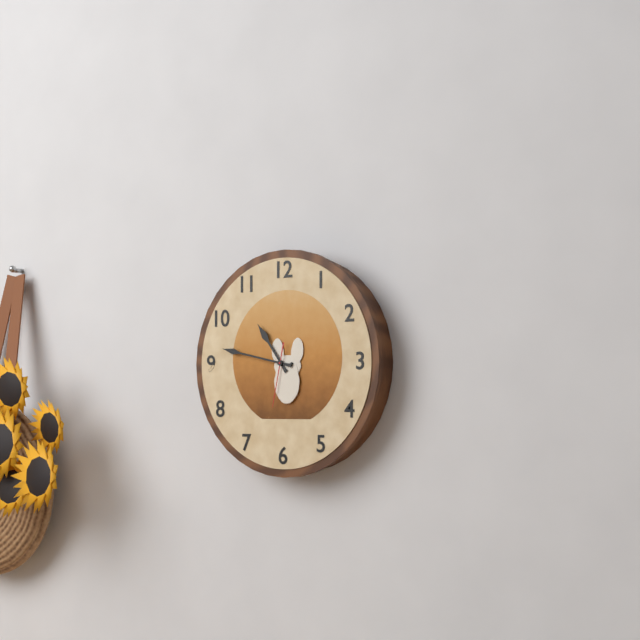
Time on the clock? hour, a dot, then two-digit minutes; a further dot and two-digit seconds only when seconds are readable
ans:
10.47.32
